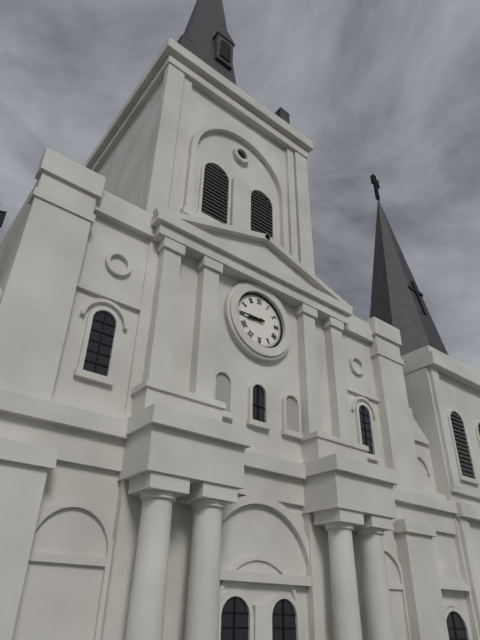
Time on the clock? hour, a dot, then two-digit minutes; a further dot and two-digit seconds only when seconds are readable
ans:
8.45
